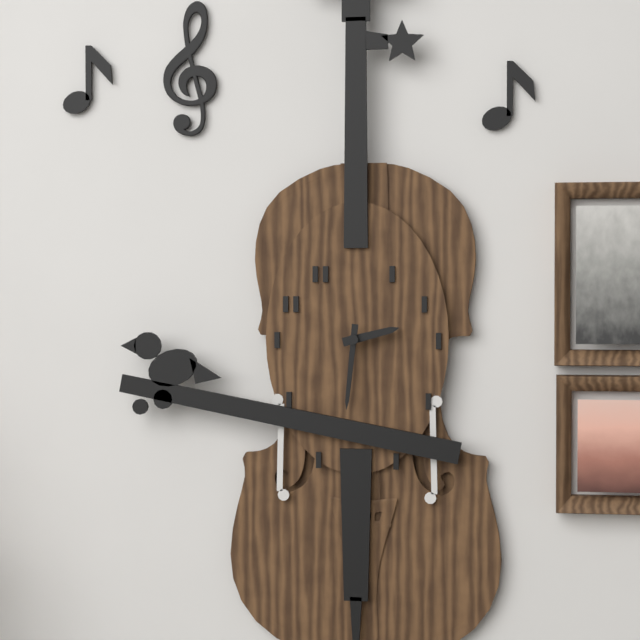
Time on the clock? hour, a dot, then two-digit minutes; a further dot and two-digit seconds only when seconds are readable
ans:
2.31
